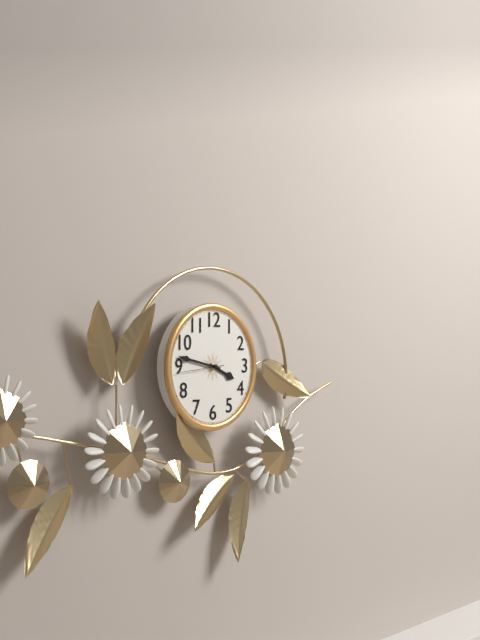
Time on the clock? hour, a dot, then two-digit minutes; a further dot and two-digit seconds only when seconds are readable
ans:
3.47
